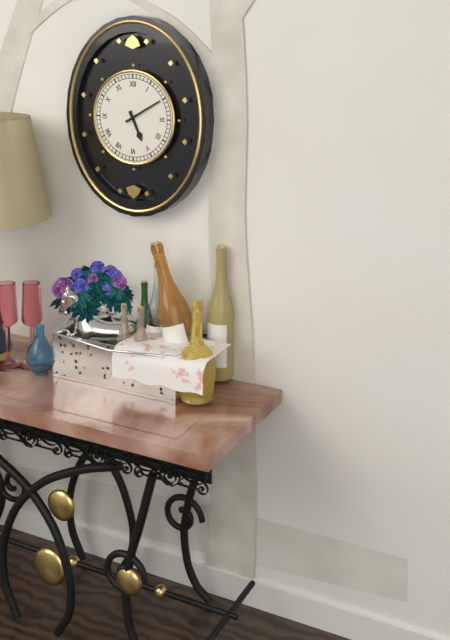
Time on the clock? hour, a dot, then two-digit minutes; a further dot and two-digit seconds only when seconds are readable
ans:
5.10
